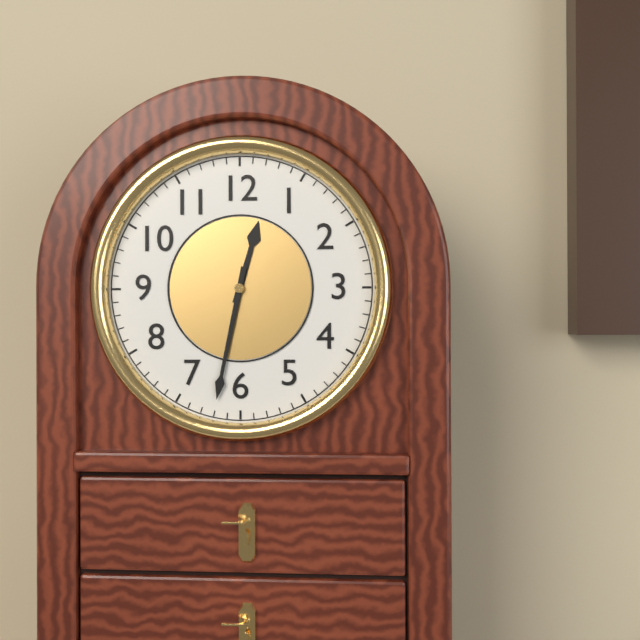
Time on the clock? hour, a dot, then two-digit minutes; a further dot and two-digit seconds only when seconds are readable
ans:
12.32
